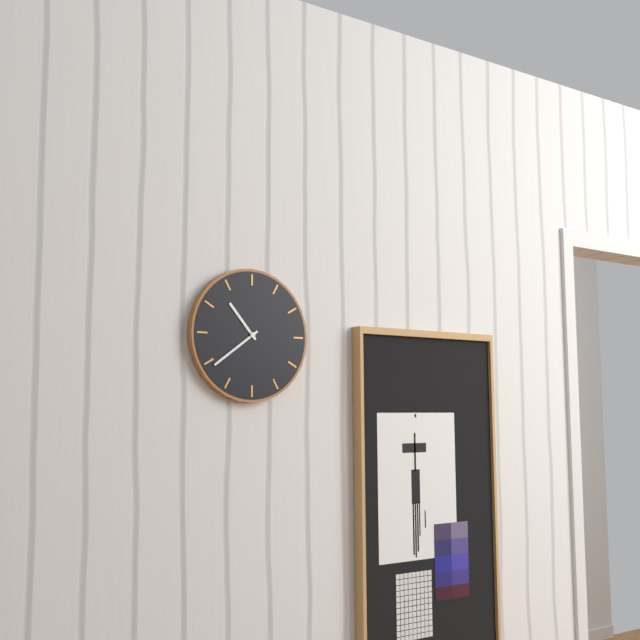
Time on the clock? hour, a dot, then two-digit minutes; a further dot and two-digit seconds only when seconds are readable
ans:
10.39
